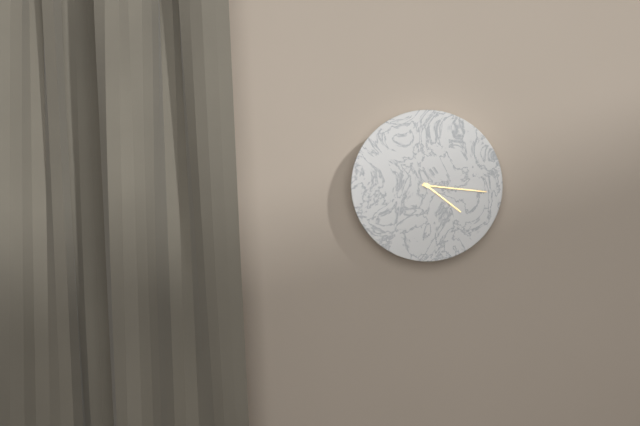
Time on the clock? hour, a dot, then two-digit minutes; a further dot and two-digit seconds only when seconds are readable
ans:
4.16
